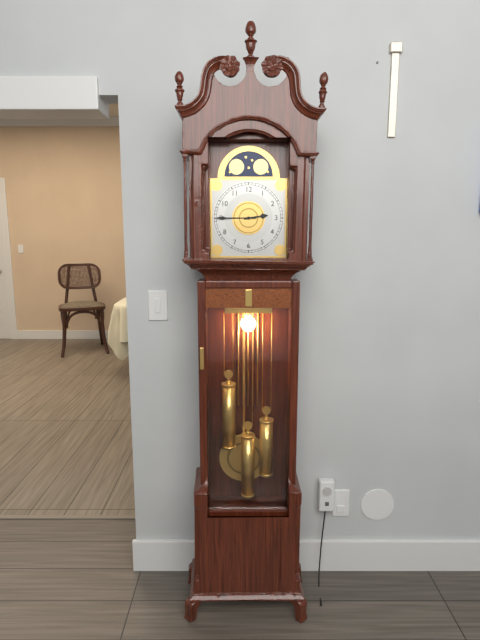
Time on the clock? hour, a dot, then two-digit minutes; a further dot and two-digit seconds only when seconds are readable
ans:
2.45
